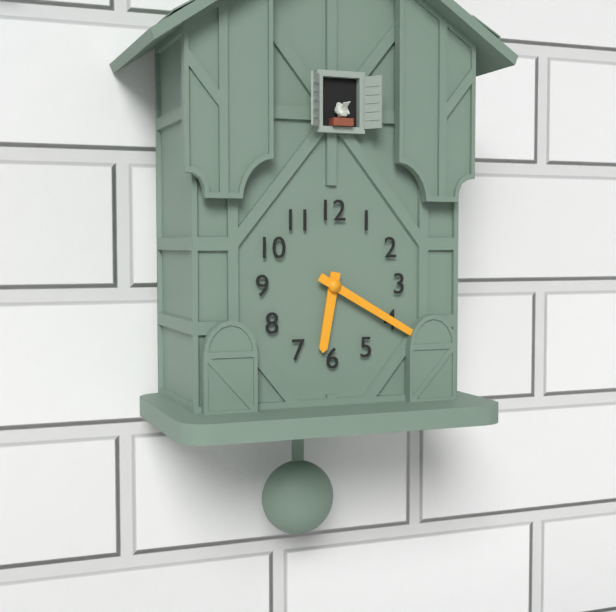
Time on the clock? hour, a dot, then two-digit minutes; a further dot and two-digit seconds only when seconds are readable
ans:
6.20
